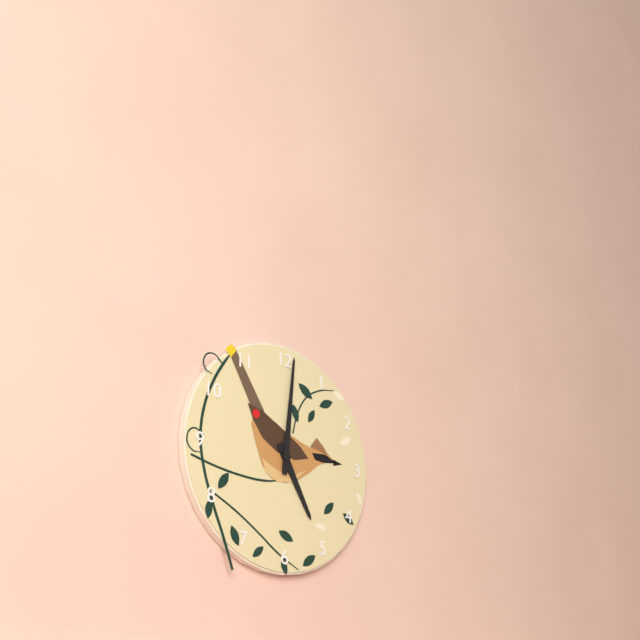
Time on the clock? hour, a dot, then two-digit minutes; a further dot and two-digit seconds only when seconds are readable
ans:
5.01
